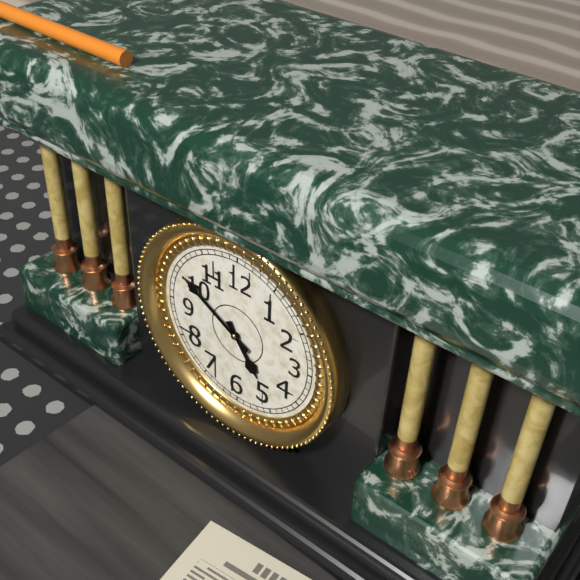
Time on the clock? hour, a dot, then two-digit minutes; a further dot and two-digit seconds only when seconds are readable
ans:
4.50
